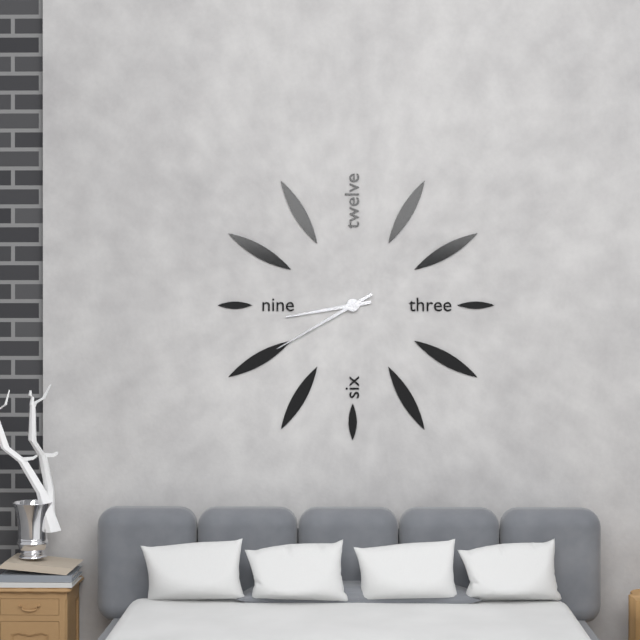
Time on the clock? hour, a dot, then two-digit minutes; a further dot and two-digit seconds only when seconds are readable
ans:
8.40
